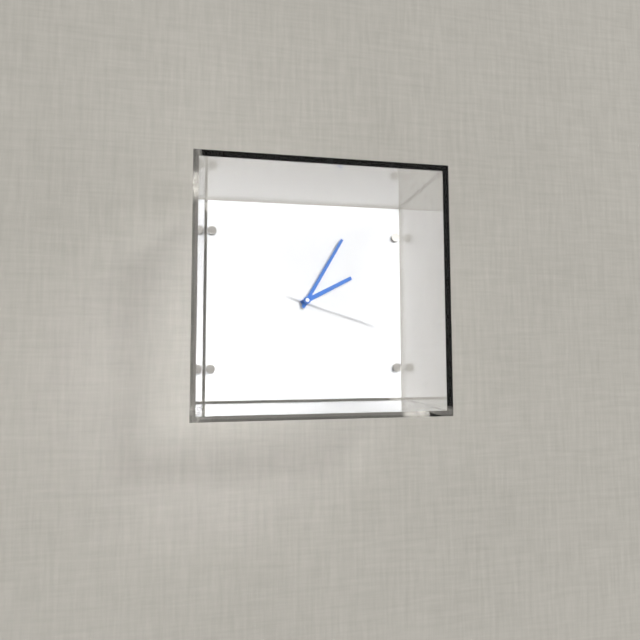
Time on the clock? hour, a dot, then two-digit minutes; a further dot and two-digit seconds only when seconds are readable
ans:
2.05.18
